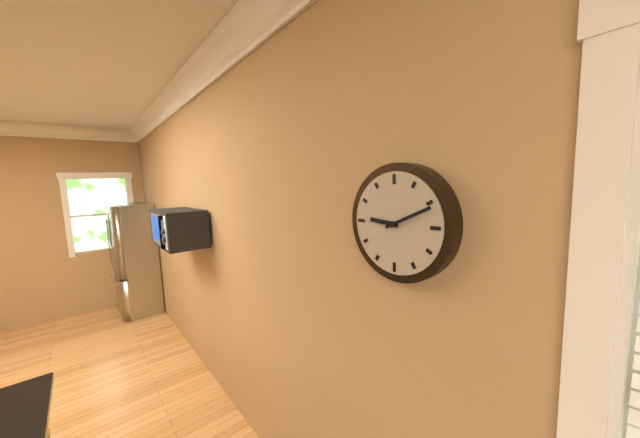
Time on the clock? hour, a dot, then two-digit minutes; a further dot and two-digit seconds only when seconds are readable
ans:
9.11
